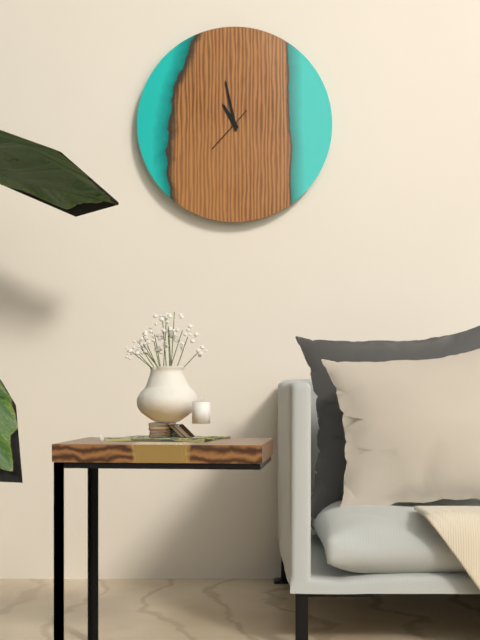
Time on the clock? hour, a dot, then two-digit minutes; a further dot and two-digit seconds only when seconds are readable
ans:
10.58
